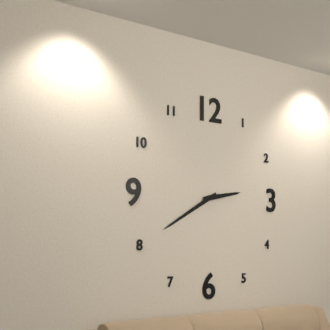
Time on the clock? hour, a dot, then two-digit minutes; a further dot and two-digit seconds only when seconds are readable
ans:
2.40
